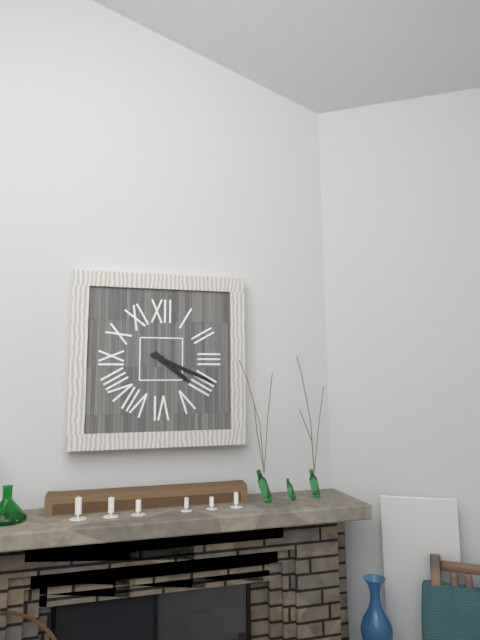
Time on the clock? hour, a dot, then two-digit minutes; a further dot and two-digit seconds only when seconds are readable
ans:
4.19
